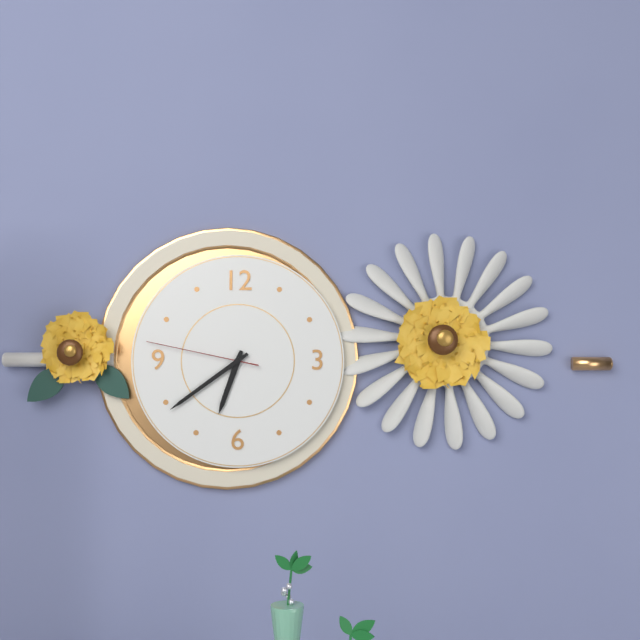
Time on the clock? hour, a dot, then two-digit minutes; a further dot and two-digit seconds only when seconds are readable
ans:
6.39.47
